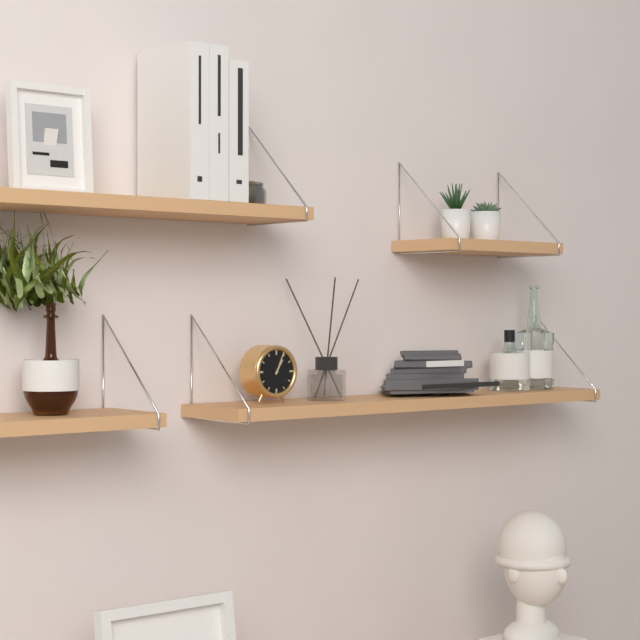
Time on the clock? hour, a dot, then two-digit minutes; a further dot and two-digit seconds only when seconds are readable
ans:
1.04
